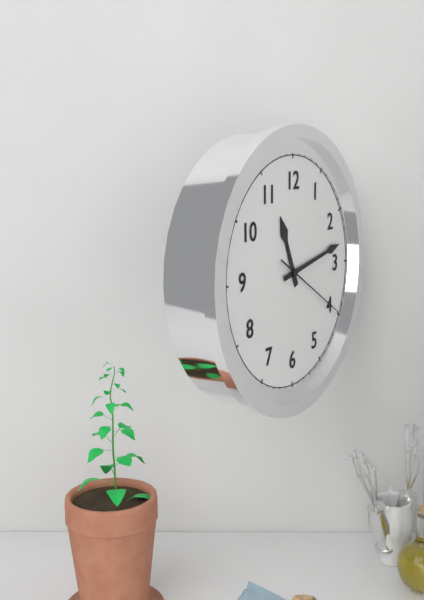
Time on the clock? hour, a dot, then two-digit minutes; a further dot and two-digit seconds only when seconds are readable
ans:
11.13.20
